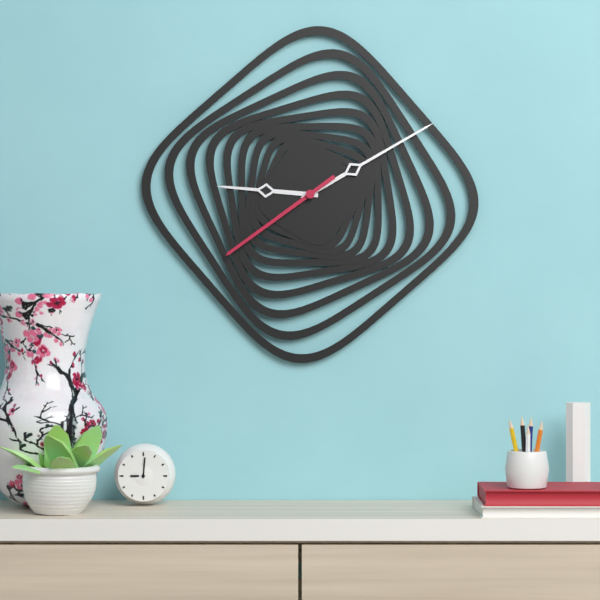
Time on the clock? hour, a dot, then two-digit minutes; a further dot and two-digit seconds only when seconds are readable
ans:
9.10.39
